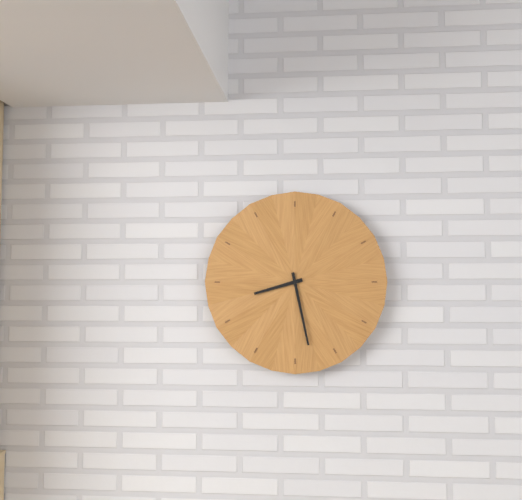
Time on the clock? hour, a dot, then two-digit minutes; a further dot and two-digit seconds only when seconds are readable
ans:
8.28
